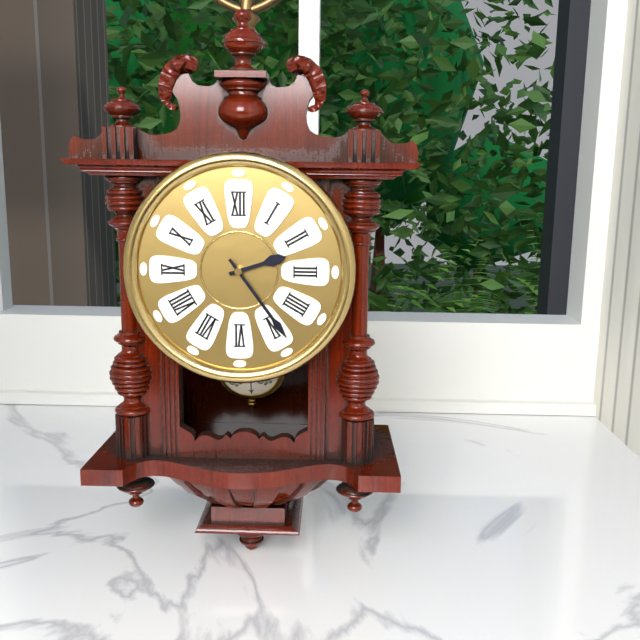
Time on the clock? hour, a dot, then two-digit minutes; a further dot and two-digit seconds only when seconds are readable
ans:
2.24
